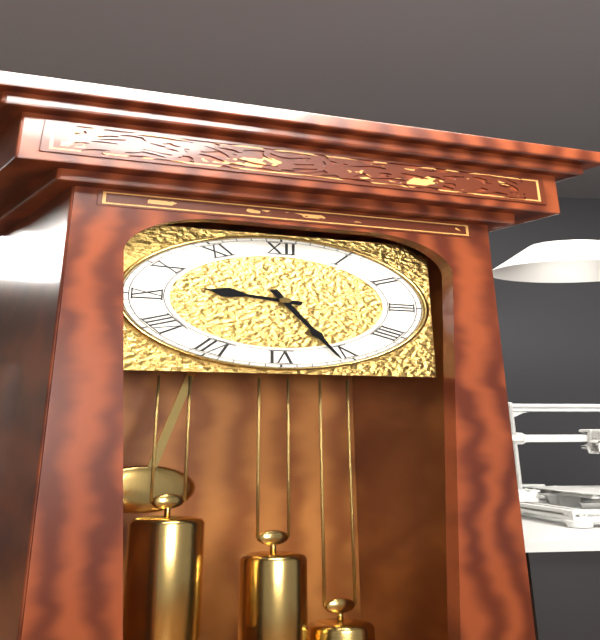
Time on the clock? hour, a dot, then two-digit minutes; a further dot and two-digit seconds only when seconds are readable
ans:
9.26
